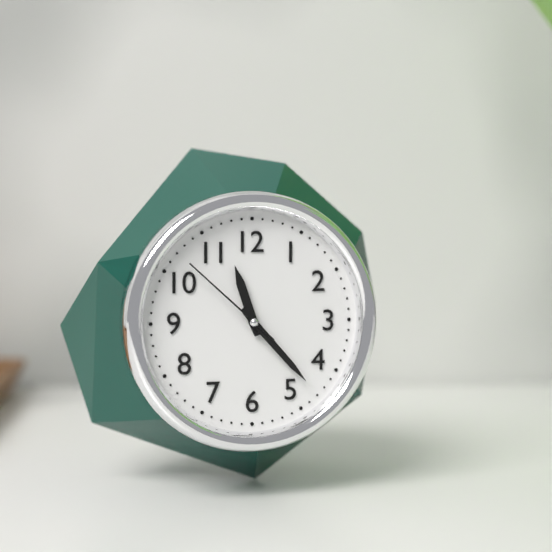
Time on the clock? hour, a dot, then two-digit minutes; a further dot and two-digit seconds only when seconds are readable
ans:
11.23.52
